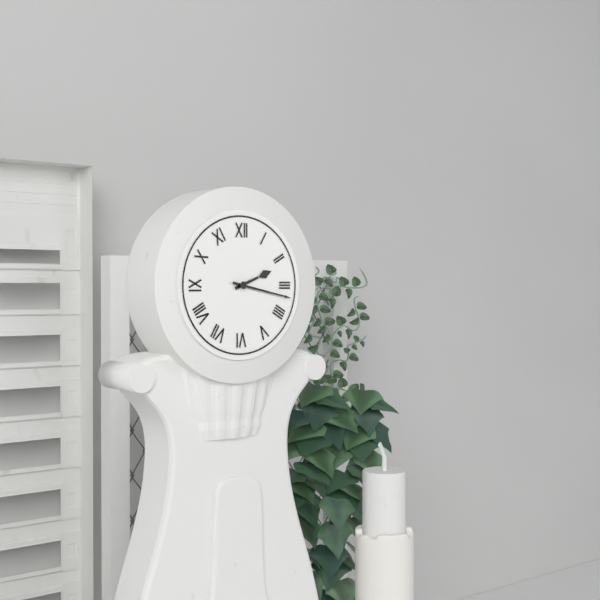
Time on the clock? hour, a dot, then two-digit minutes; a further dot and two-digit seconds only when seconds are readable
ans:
2.17
